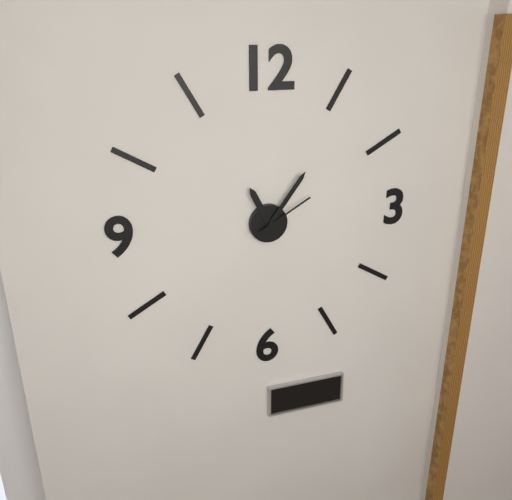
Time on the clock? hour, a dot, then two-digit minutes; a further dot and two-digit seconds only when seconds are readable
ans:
11.06.10
